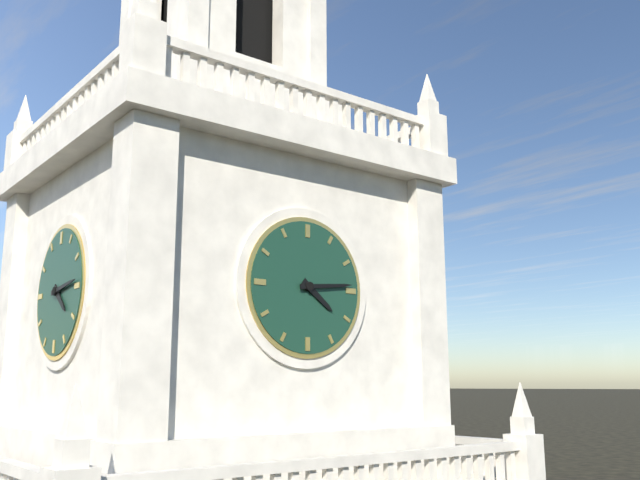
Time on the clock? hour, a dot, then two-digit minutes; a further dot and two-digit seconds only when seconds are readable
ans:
4.14
